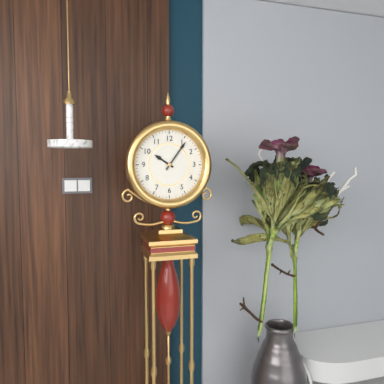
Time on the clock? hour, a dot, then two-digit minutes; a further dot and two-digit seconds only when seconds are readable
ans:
10.06
